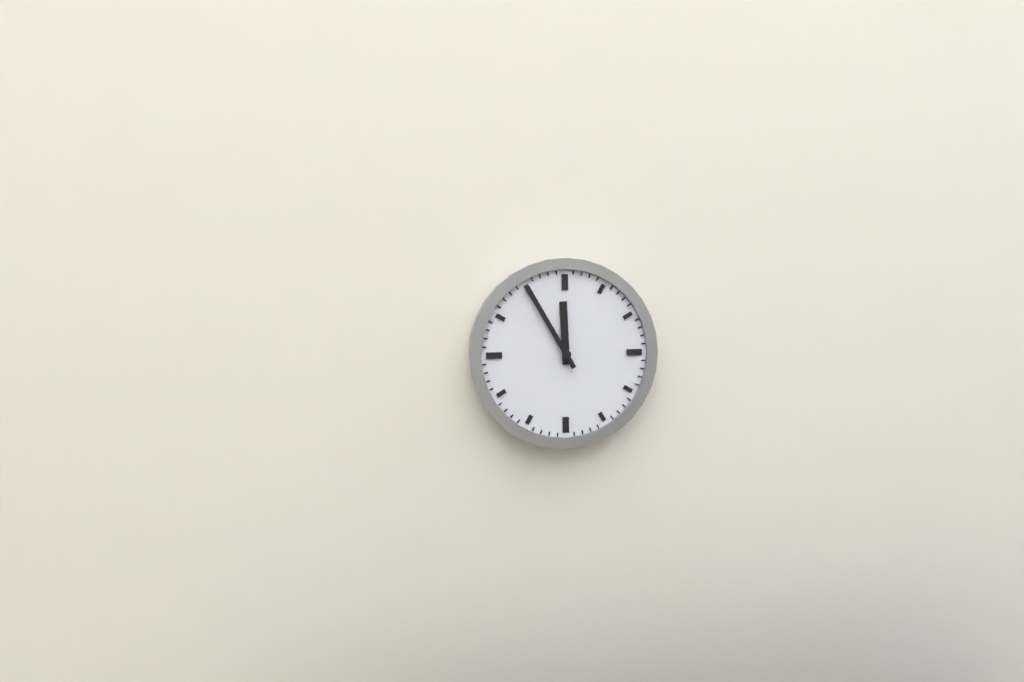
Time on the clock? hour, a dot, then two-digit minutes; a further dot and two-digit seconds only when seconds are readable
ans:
11.55
